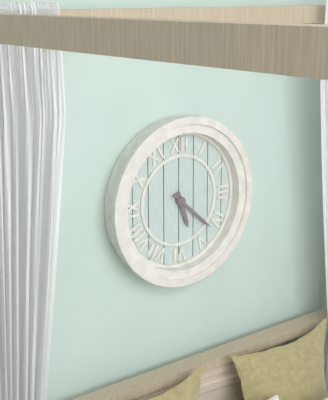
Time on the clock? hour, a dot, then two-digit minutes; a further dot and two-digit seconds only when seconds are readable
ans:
5.22
